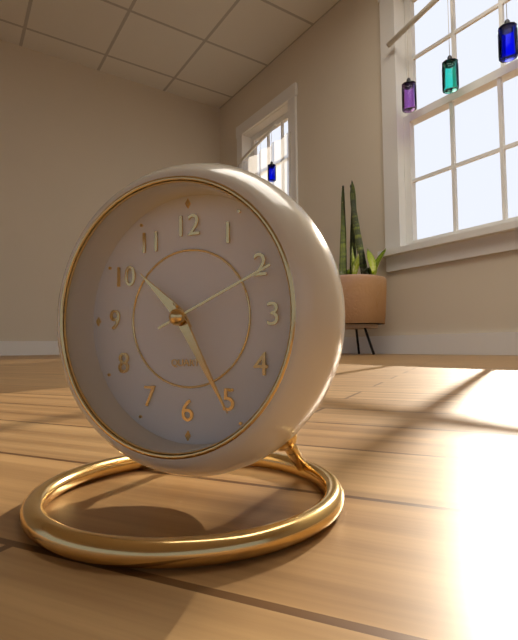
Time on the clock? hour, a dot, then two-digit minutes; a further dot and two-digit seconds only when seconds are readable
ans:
10.25.11
